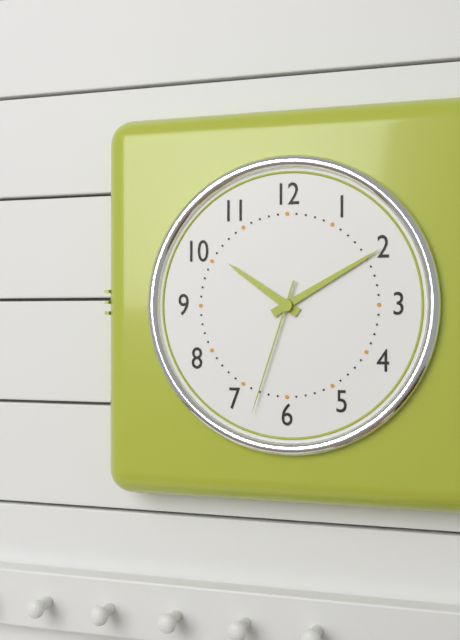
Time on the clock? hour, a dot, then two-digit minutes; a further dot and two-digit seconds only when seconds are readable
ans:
10.10.33
